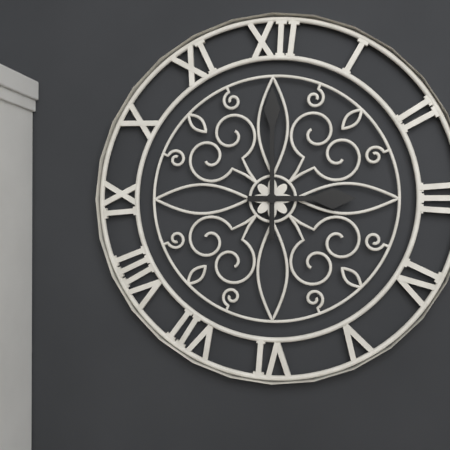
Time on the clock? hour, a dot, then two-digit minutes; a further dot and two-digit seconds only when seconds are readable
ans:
3.00
